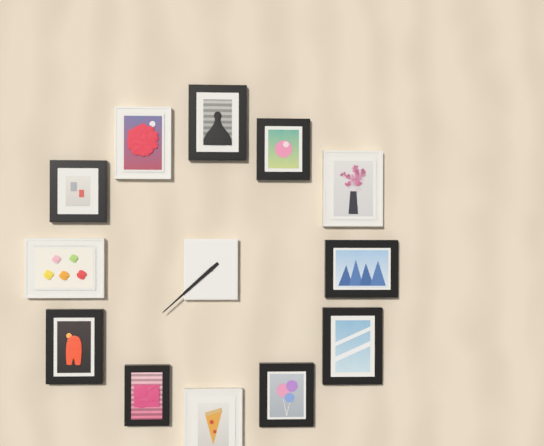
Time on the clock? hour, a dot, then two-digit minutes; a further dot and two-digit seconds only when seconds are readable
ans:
7.38
